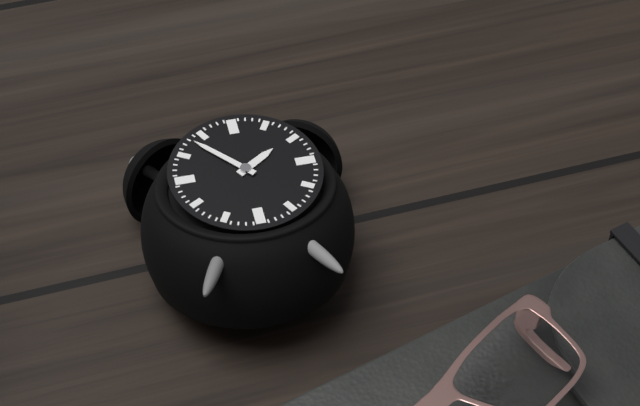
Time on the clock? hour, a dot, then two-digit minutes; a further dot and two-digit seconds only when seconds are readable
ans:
1.53
